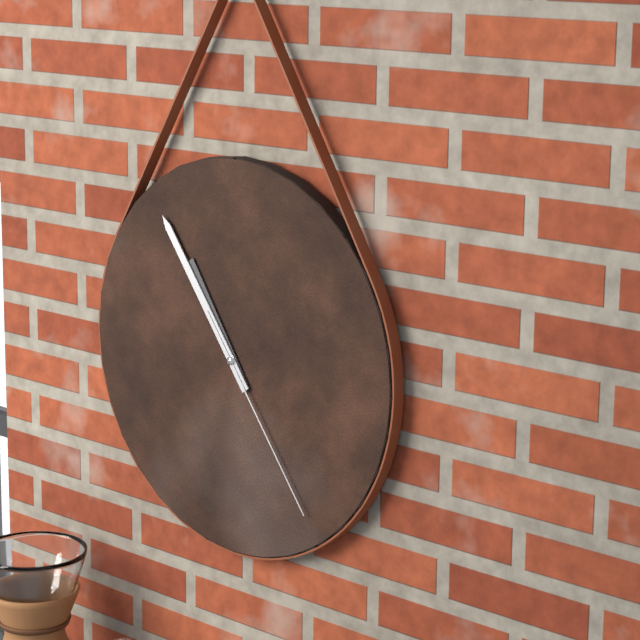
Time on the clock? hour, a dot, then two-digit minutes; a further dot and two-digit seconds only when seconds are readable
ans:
10.54.24
